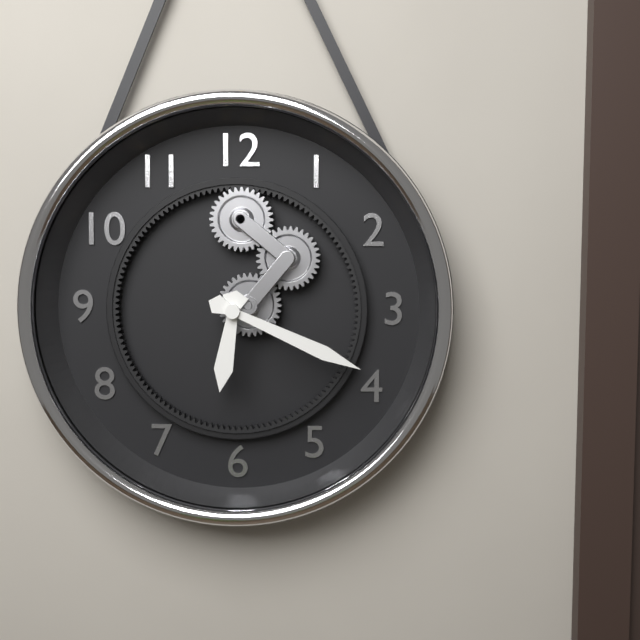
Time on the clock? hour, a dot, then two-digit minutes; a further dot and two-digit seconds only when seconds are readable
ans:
6.19
